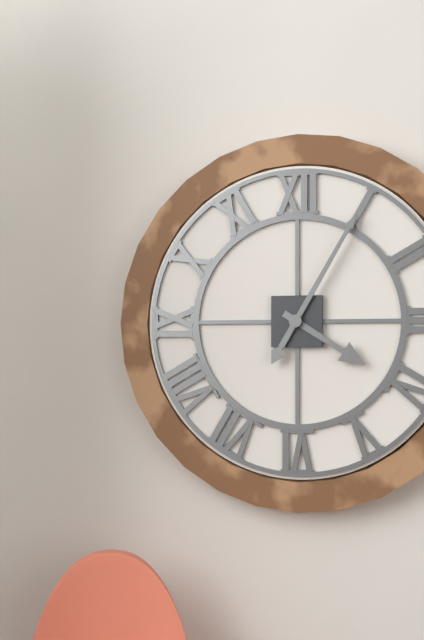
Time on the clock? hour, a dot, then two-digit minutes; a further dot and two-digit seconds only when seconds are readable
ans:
4.05
